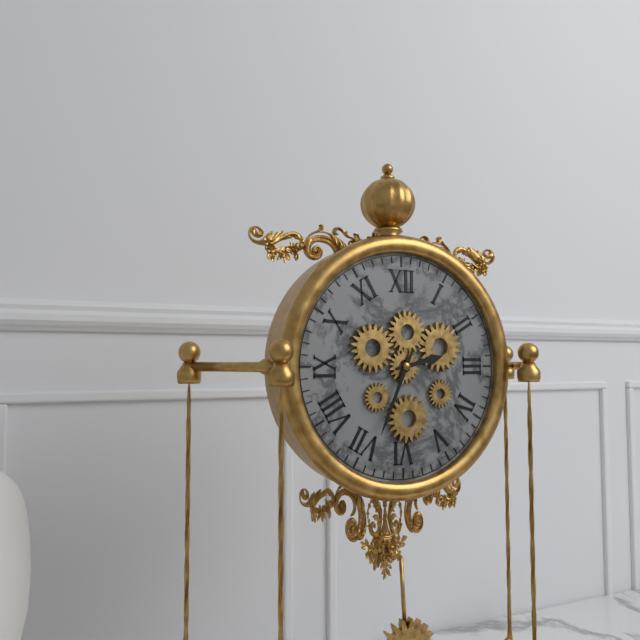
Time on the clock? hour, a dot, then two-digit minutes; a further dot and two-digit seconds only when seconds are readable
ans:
2.34
